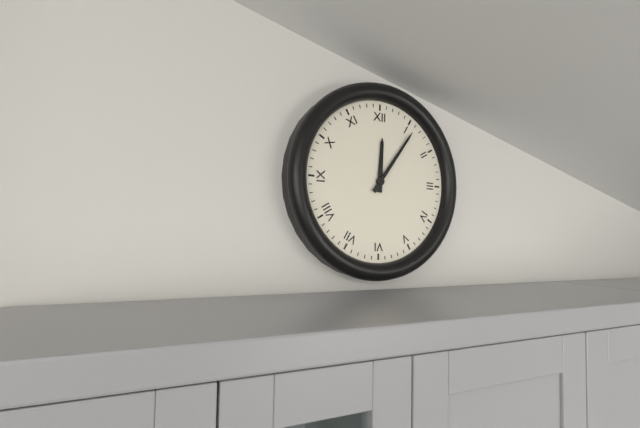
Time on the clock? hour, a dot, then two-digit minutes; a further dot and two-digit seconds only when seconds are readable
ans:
12.06
